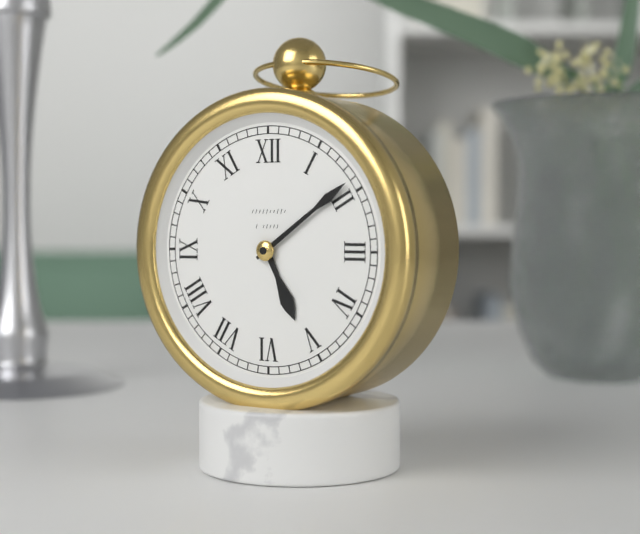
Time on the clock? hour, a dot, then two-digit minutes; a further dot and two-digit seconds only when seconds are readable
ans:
5.09
